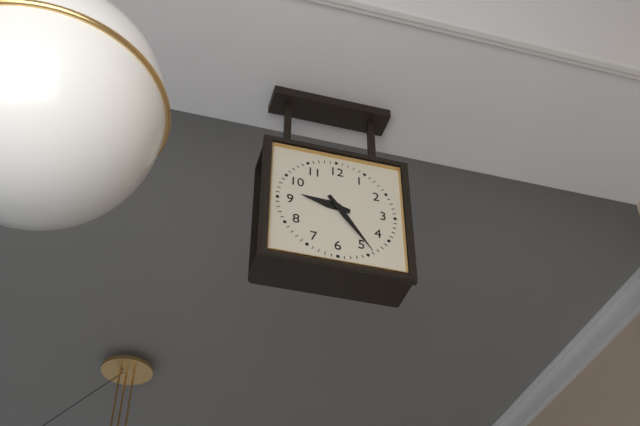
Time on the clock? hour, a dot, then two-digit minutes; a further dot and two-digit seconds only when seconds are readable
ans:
9.24
